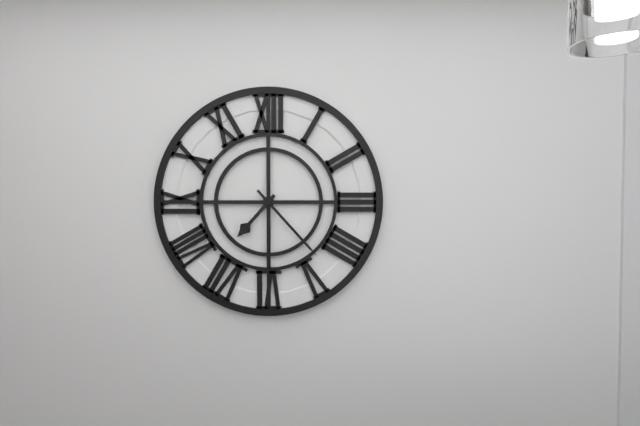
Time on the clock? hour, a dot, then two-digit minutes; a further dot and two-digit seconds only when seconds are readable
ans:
7.23.30
